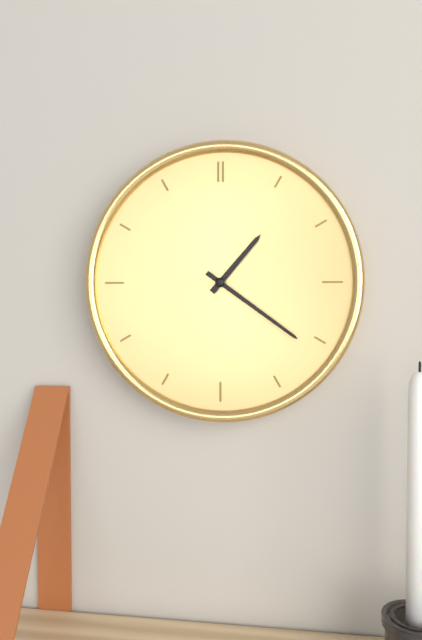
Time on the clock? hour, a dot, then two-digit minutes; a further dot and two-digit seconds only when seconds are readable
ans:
1.21
